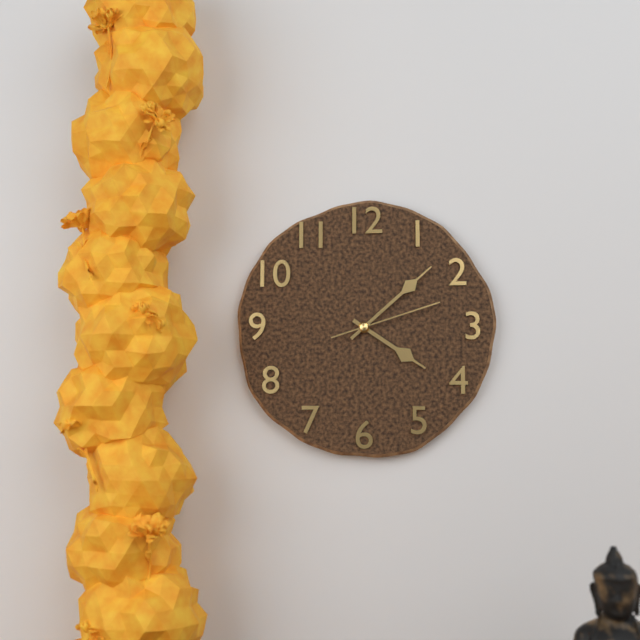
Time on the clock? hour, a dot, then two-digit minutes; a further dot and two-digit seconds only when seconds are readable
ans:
4.08.12
